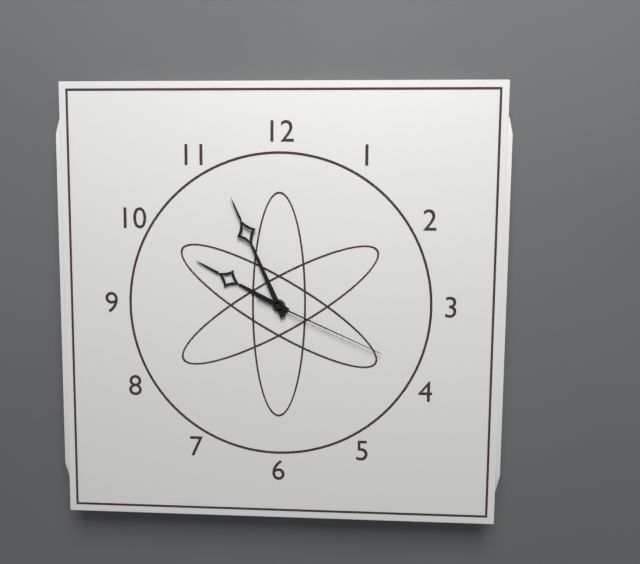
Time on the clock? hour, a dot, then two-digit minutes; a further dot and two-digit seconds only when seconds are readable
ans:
9.56.19
